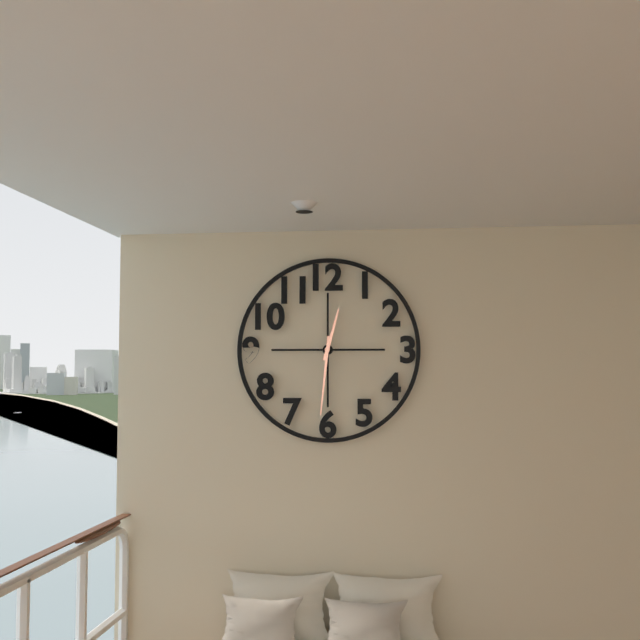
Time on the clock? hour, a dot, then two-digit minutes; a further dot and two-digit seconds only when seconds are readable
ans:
12.31
